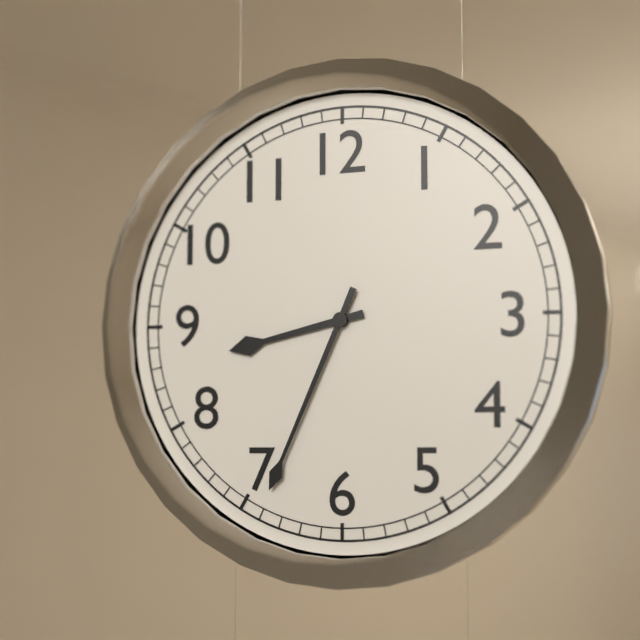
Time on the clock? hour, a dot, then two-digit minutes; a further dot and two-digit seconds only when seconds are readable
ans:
8.34
